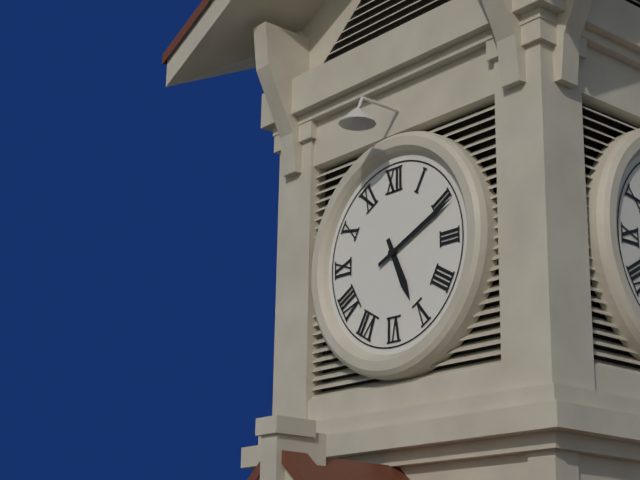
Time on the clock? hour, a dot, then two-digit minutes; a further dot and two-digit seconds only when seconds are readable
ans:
5.11
